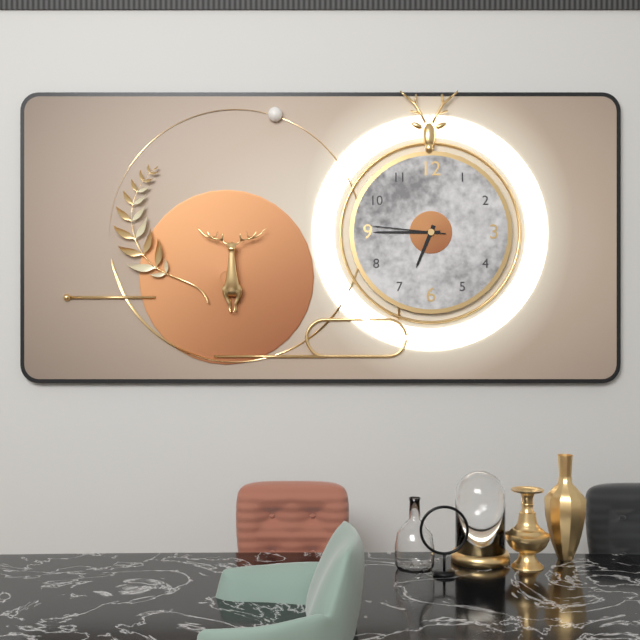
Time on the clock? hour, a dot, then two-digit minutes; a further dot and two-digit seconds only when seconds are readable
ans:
6.45.46
